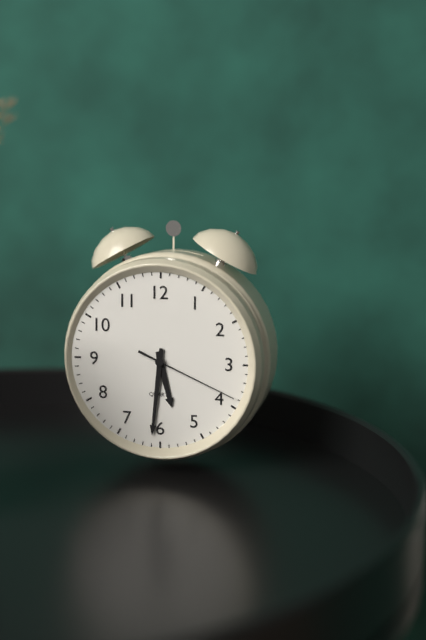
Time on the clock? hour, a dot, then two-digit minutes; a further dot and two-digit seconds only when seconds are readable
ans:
5.31.19
